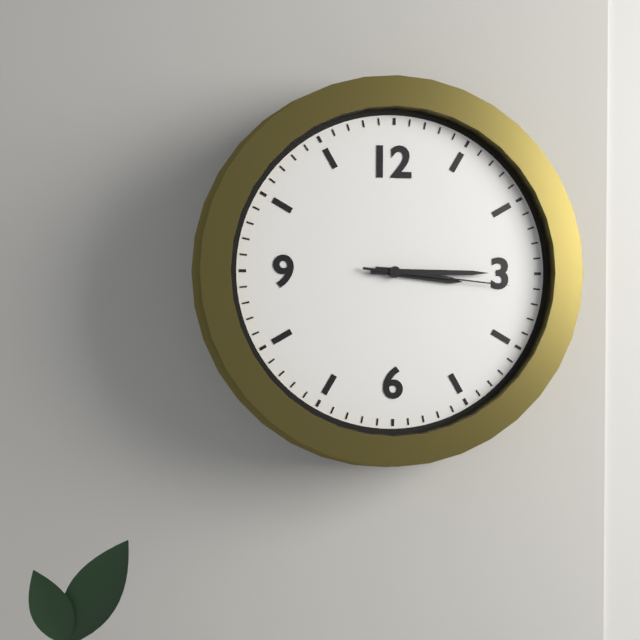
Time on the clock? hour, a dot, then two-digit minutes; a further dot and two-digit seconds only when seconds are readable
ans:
3.15.16
